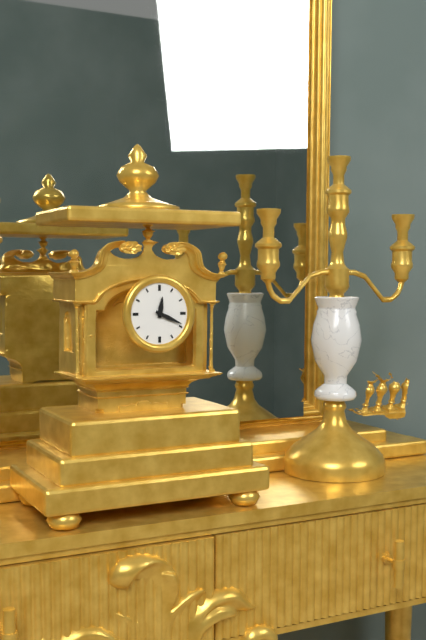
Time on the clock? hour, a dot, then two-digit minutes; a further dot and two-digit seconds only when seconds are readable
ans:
12.19
